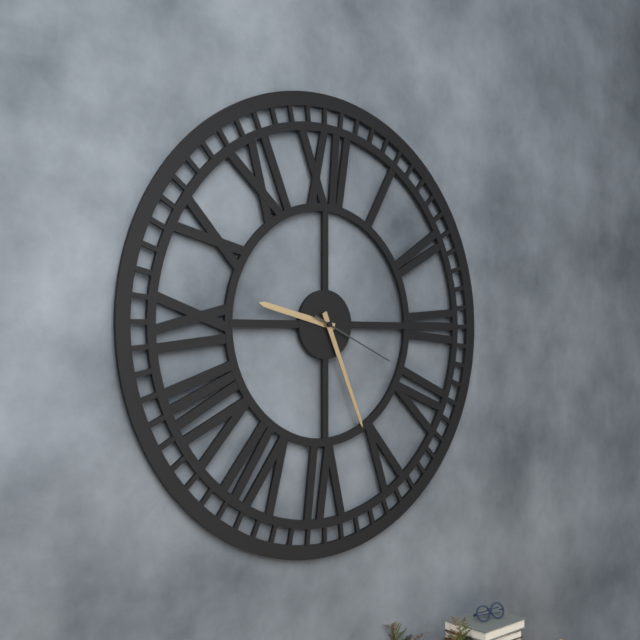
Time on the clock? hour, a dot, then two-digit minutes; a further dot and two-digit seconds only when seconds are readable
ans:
9.26.19
